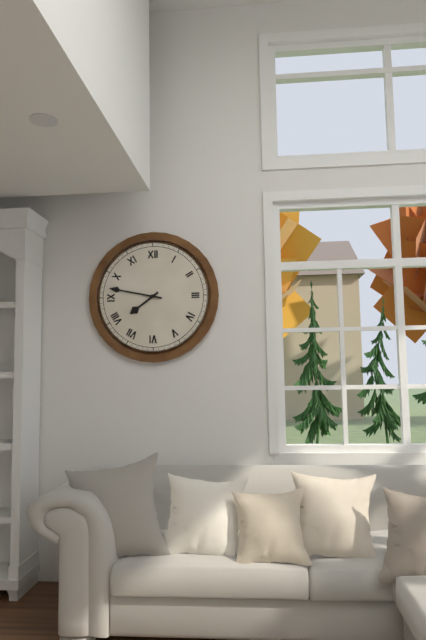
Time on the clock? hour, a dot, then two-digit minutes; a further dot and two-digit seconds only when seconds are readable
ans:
7.47
